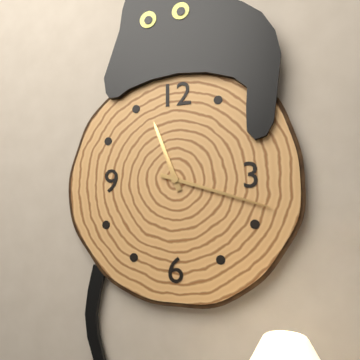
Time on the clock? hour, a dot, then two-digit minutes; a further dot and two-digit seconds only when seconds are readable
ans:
11.18
